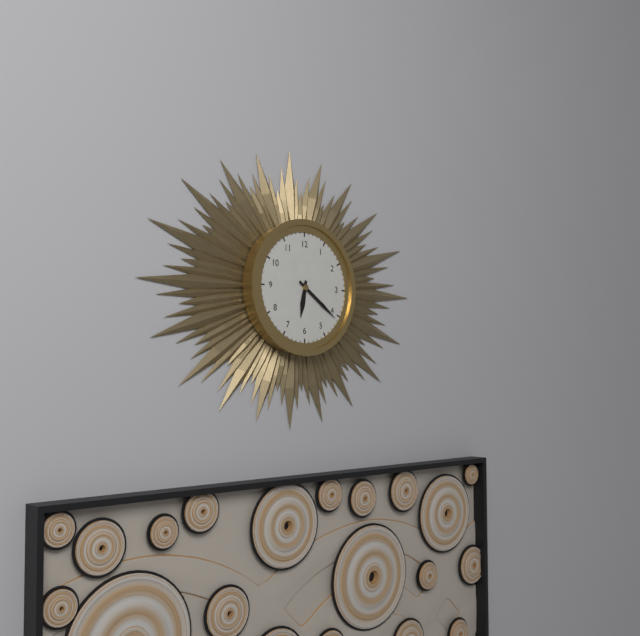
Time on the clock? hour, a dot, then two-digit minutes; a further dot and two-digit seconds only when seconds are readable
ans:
6.21
